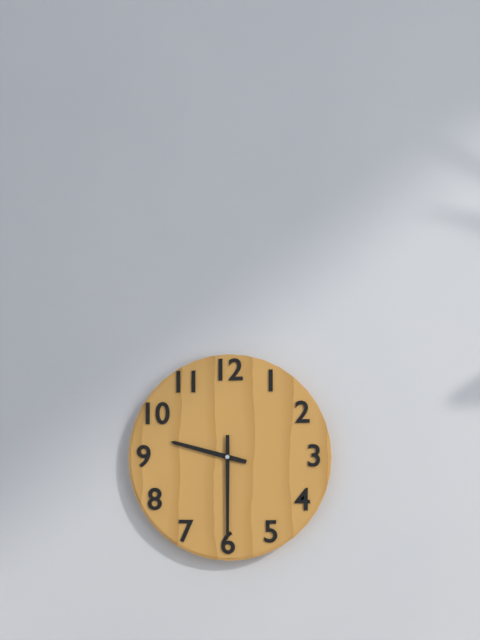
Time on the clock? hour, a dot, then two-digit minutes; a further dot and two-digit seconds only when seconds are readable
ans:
9.30
